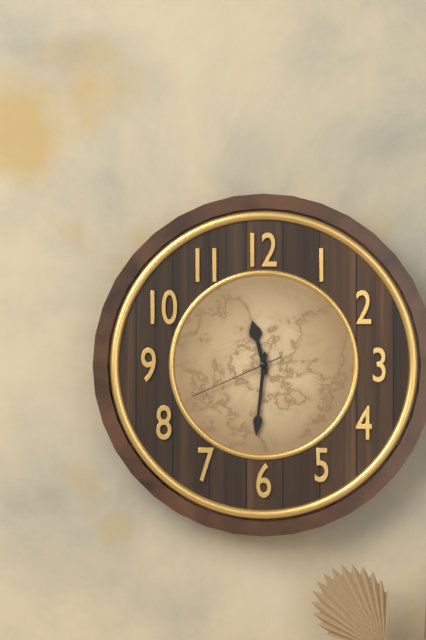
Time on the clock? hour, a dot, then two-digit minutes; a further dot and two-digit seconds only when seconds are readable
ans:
11.31.41
